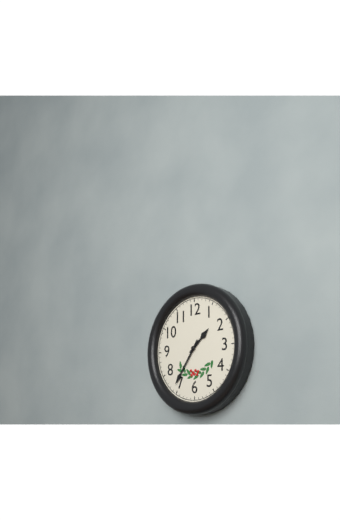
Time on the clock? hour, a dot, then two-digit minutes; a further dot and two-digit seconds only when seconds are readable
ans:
1.36
